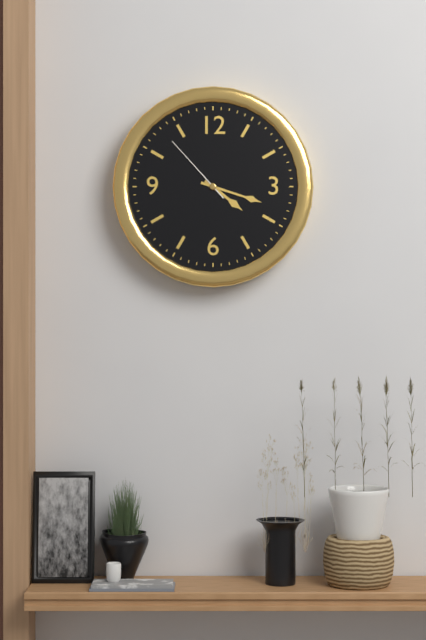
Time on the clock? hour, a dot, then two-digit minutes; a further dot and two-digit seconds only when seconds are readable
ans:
4.18.53
